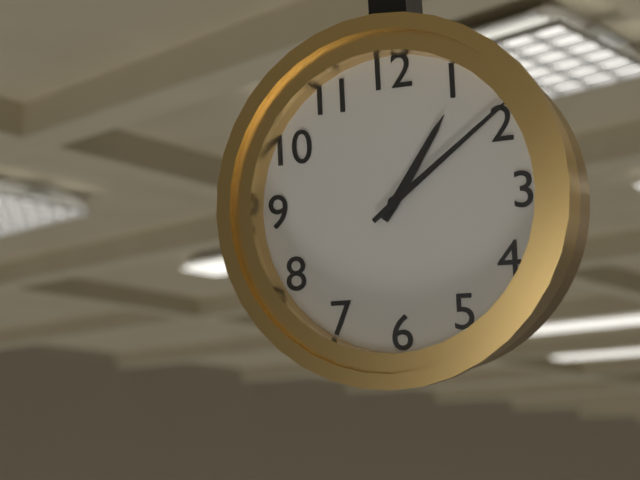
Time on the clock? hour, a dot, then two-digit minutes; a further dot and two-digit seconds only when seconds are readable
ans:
1.09
